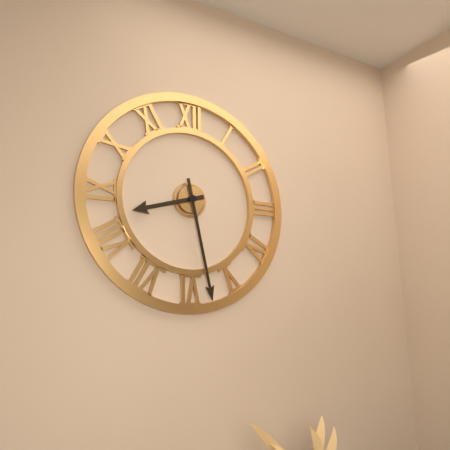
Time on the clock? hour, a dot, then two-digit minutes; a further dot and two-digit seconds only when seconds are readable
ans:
8.28
